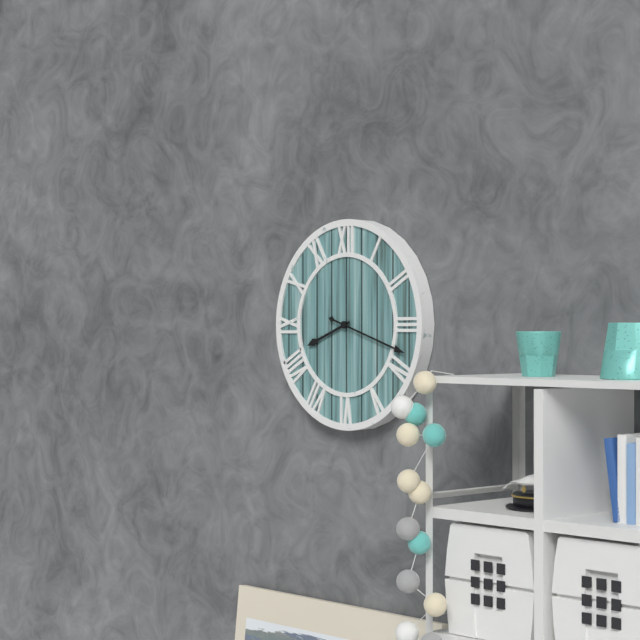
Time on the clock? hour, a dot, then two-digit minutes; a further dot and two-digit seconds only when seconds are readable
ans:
8.18
